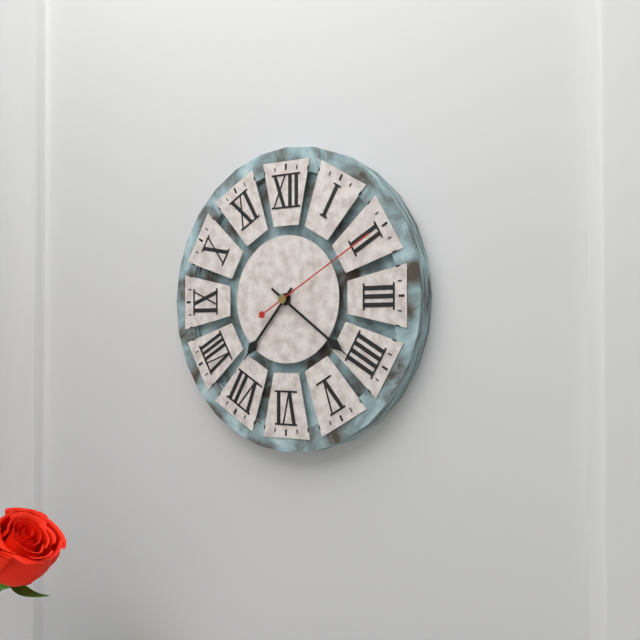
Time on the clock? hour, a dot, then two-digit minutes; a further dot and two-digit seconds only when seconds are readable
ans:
7.21.10
